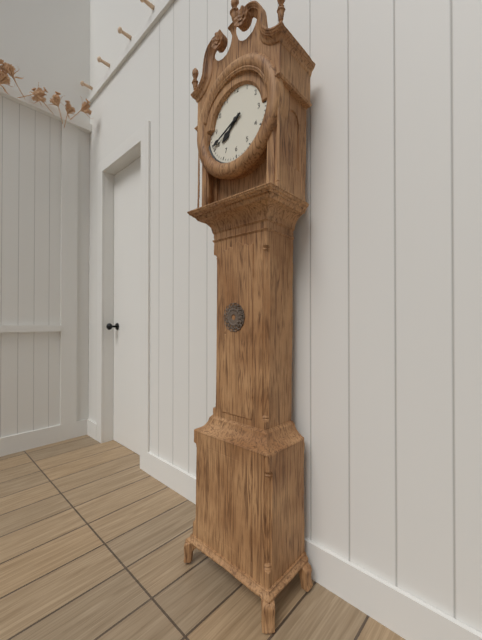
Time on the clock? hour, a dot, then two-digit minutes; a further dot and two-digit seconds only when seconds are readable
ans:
7.41
